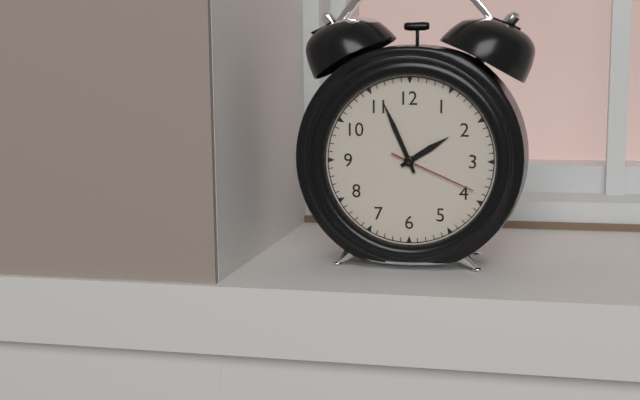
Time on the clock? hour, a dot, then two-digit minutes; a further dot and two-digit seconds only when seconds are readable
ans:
1.56.19
